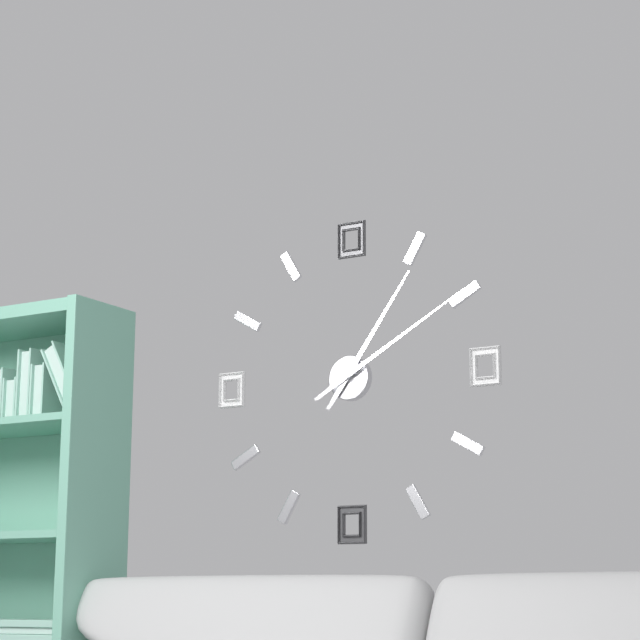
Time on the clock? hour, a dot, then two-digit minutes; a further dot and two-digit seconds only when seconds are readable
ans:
1.10
